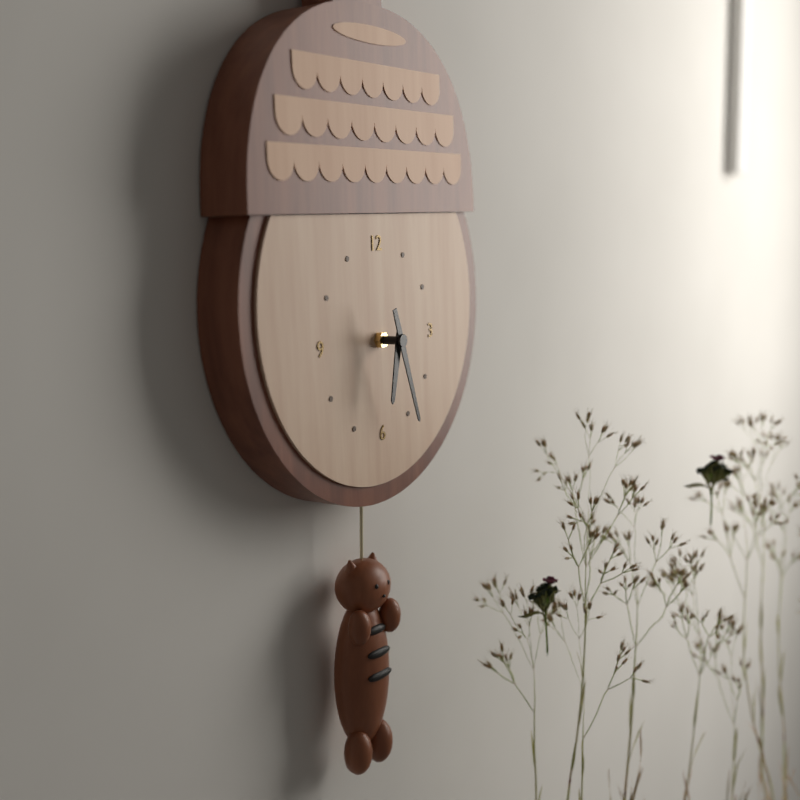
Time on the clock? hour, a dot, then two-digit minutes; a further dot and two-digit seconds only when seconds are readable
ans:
6.27
